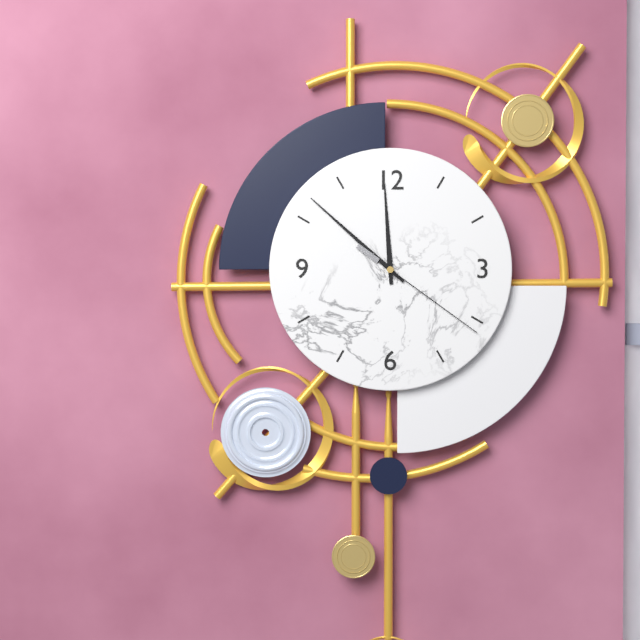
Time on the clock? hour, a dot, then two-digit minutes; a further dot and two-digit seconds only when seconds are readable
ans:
11.52.21
